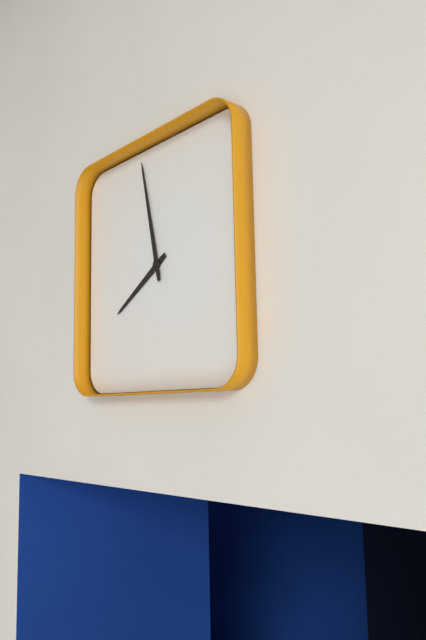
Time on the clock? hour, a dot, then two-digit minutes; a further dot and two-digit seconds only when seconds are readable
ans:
7.58
